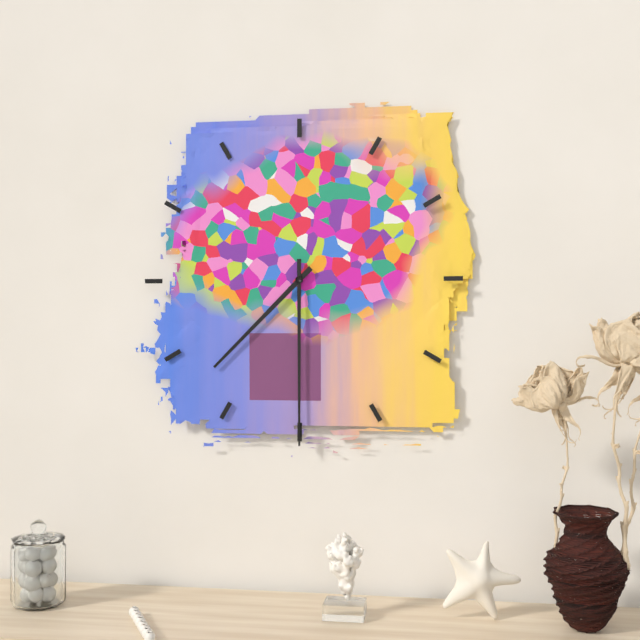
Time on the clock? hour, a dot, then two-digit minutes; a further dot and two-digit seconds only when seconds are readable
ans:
7.30
